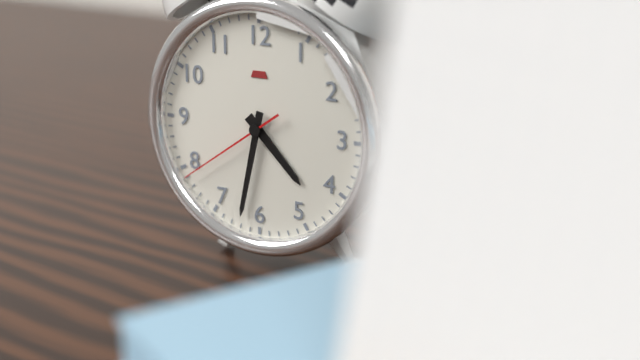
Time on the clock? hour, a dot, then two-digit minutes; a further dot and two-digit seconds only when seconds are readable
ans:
4.32.39
